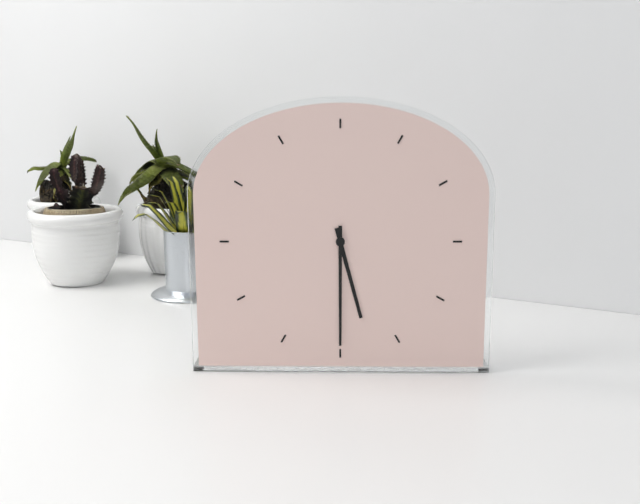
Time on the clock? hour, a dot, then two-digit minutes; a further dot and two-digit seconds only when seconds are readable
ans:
5.30
